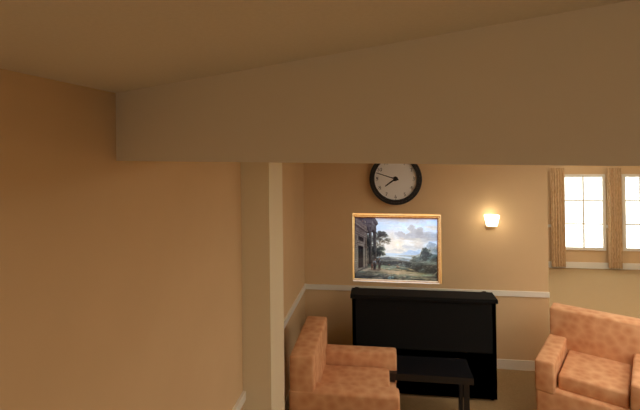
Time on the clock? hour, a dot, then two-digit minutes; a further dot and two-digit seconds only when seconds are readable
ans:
7.48
